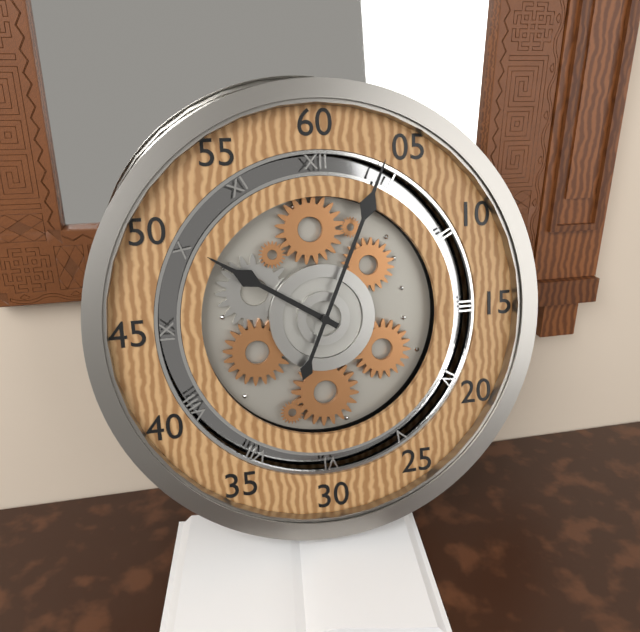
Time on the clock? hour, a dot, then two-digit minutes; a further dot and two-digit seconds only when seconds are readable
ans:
10.04
